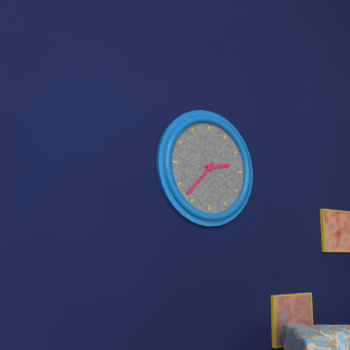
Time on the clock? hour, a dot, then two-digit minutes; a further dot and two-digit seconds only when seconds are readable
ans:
2.37
